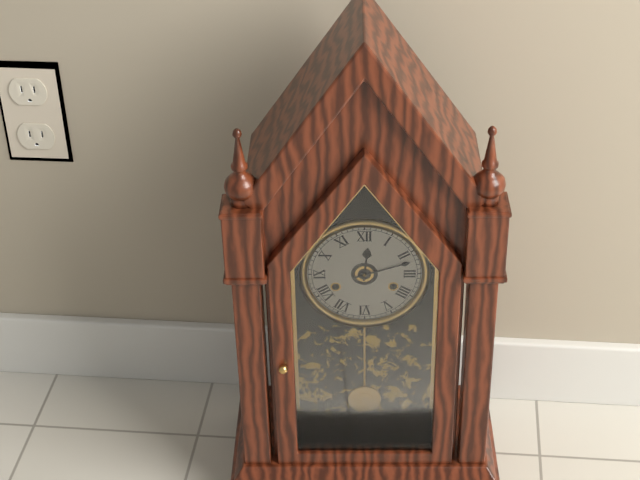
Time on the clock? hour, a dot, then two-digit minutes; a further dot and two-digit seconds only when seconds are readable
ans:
12.12
